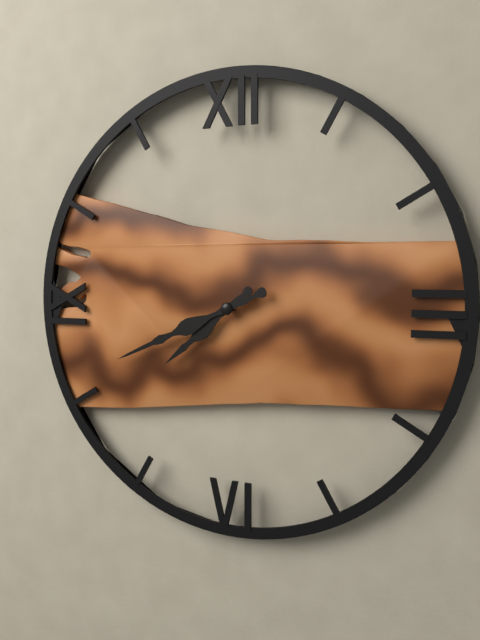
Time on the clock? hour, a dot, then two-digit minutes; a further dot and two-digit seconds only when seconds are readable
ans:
7.41
